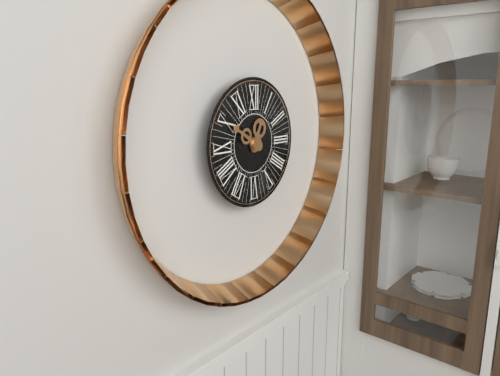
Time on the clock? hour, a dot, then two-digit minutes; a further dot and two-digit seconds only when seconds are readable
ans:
12.50
